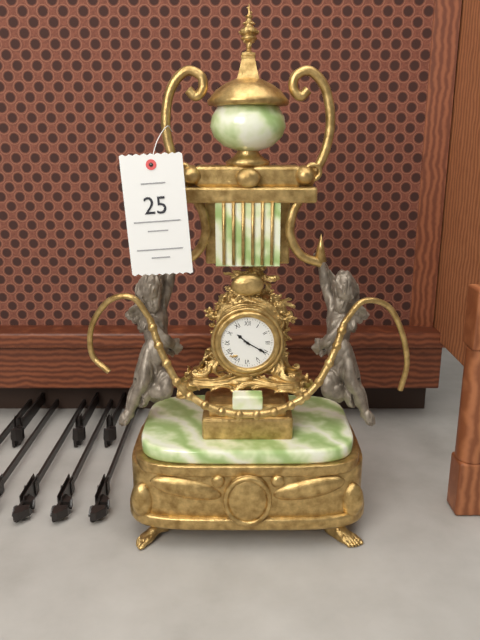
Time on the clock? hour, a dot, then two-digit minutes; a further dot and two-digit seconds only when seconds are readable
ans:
10.20
